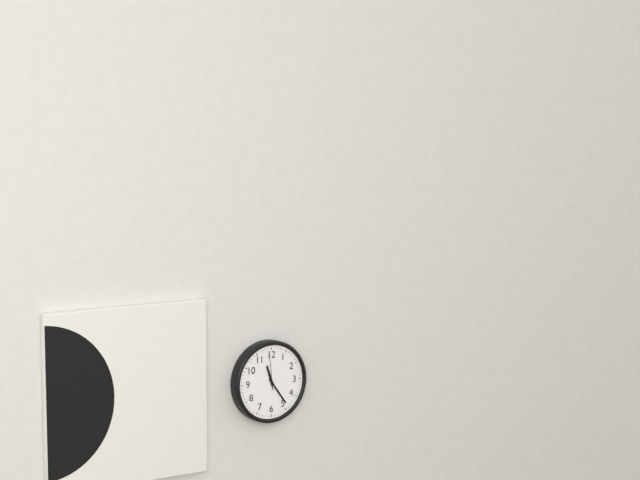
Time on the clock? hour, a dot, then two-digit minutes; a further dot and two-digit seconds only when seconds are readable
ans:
11.24
